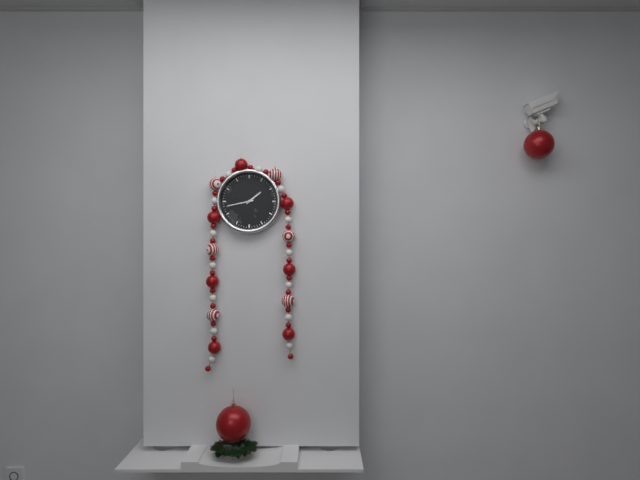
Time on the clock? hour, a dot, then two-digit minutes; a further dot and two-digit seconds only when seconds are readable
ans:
1.43
